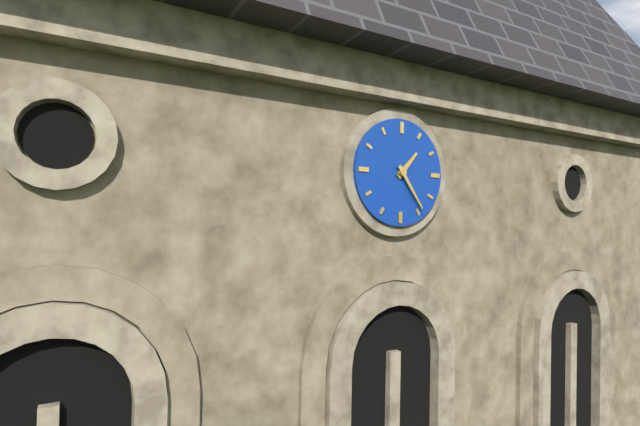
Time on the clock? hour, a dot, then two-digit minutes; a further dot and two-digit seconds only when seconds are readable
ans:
1.24
